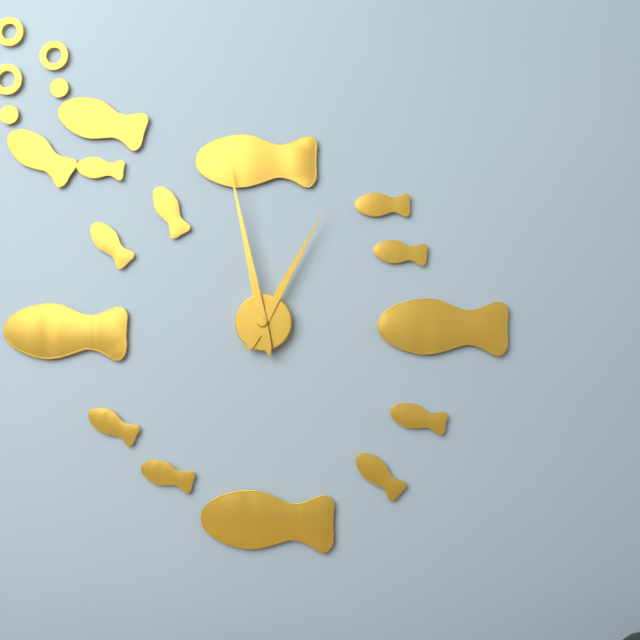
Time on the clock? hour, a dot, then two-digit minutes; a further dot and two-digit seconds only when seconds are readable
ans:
12.58
